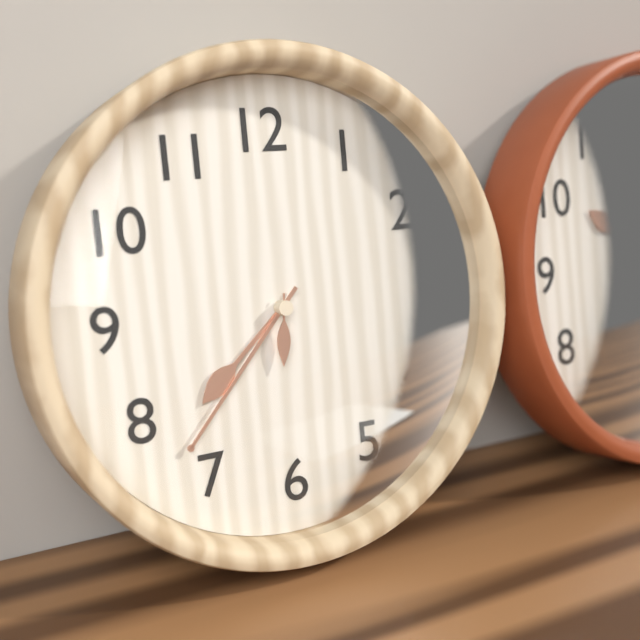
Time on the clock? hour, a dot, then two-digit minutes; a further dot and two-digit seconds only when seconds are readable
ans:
7.37.31
